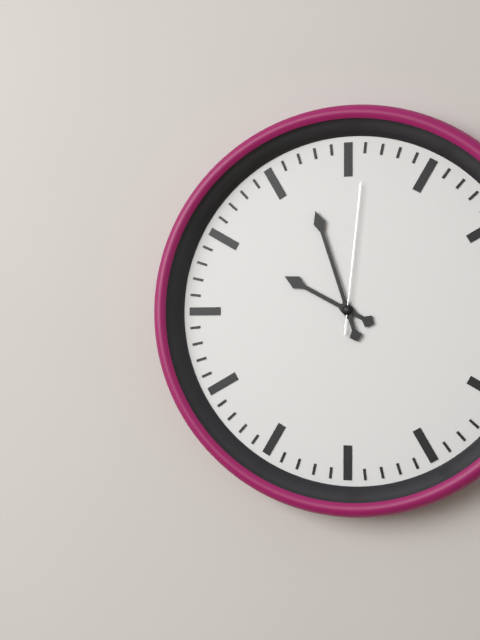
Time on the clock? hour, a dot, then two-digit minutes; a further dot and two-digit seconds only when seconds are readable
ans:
9.57.01
